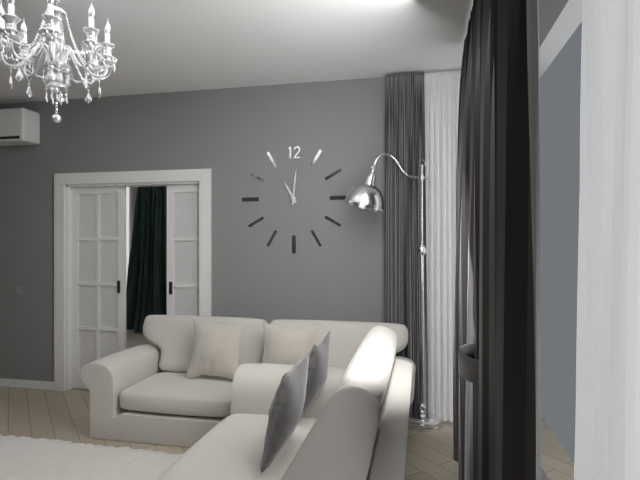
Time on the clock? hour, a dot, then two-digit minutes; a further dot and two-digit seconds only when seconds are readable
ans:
11.01
